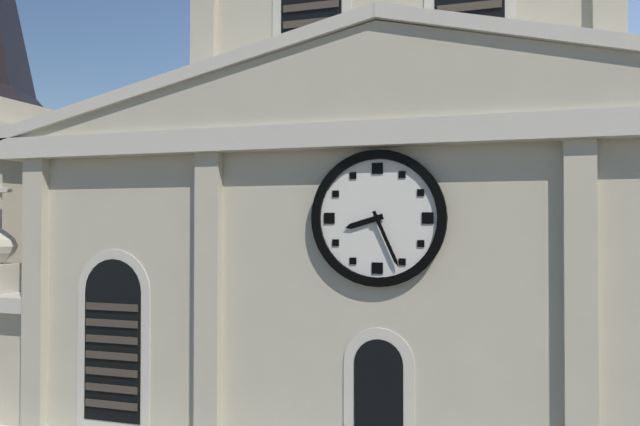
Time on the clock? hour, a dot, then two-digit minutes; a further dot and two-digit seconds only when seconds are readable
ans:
8.26
